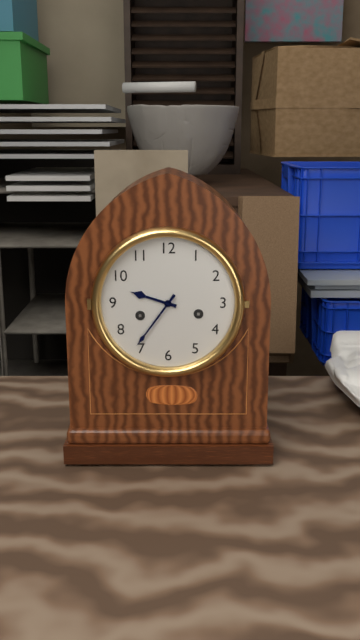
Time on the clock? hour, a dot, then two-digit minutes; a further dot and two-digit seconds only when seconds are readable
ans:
9.36
